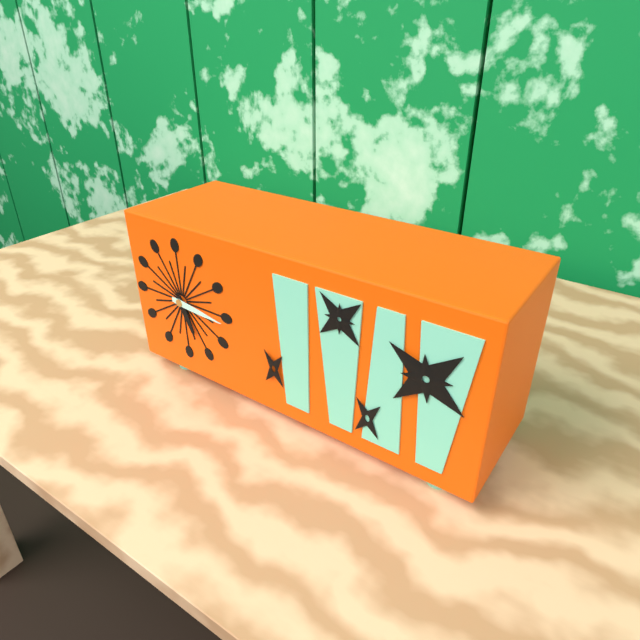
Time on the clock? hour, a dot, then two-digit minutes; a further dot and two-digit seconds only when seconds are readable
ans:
5.16
